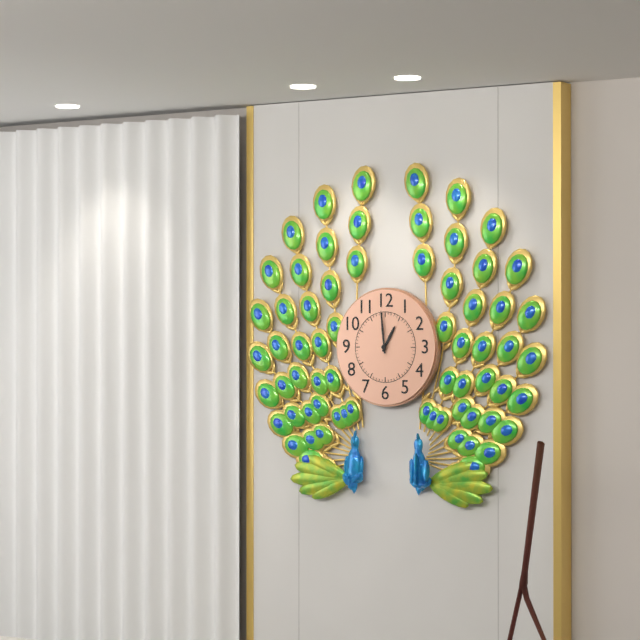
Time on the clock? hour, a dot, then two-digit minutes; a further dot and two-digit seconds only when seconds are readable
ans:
12.59
